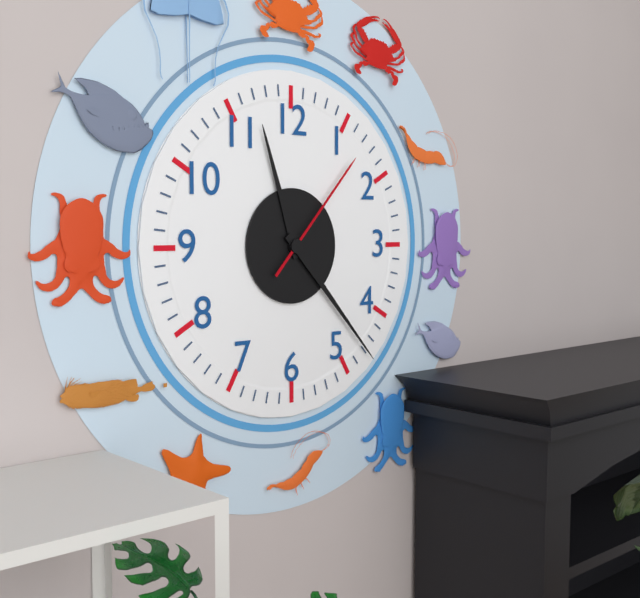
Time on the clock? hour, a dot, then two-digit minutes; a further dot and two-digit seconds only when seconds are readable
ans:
11.23.07
